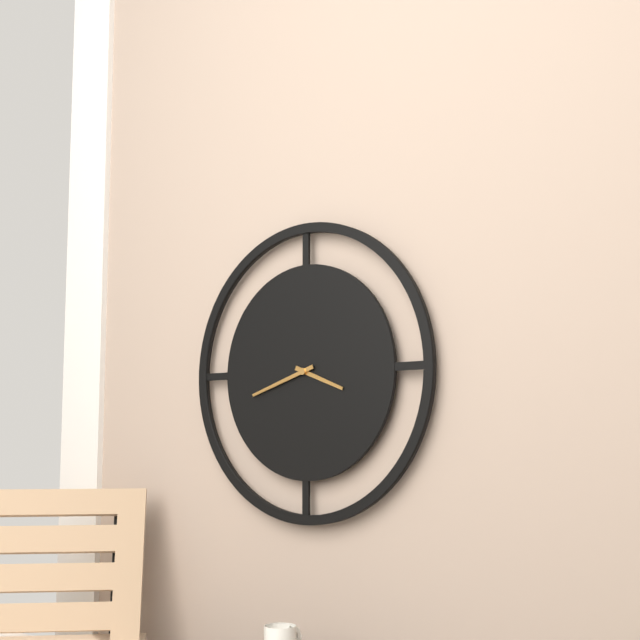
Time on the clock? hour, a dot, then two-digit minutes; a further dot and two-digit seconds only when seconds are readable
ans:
3.42
